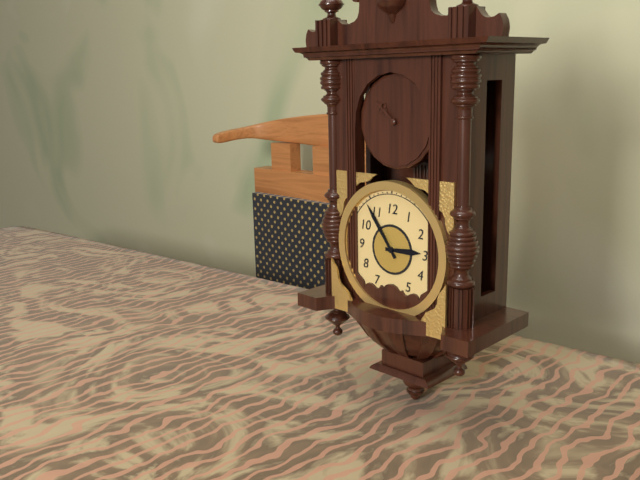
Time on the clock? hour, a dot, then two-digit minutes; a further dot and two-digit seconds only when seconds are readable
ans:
2.54
